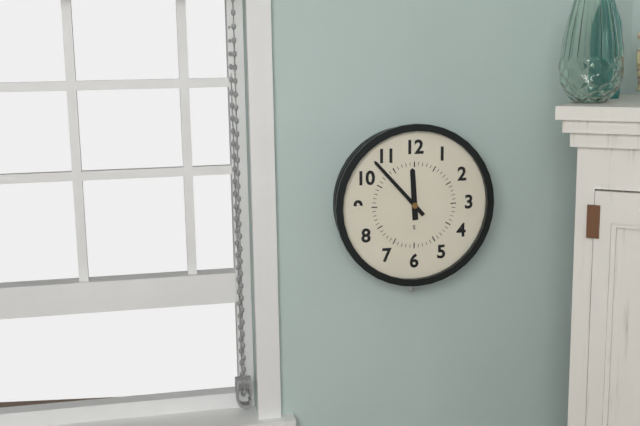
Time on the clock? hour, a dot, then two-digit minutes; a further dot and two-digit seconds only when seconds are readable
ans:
11.53
